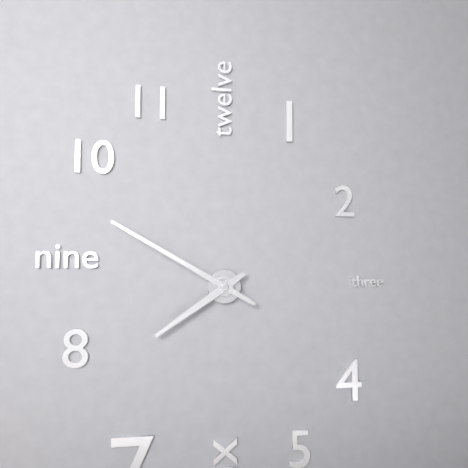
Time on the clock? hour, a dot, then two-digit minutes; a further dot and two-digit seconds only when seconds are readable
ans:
7.50
